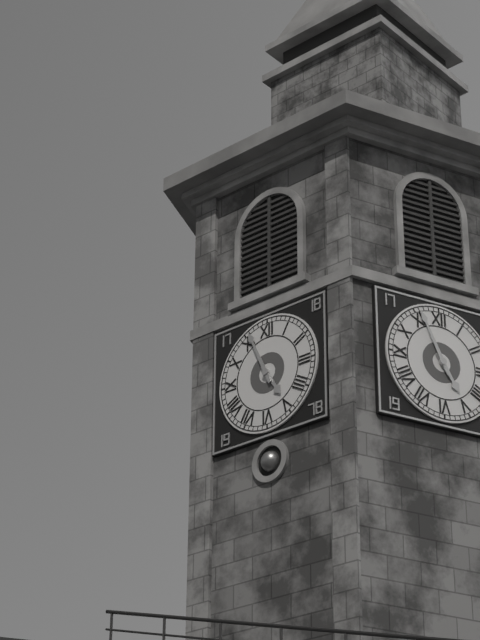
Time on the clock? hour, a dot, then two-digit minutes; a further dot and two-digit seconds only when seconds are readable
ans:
4.56
